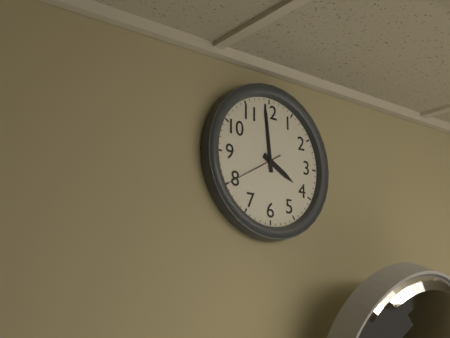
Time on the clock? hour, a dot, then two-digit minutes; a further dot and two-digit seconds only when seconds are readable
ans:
3.59
